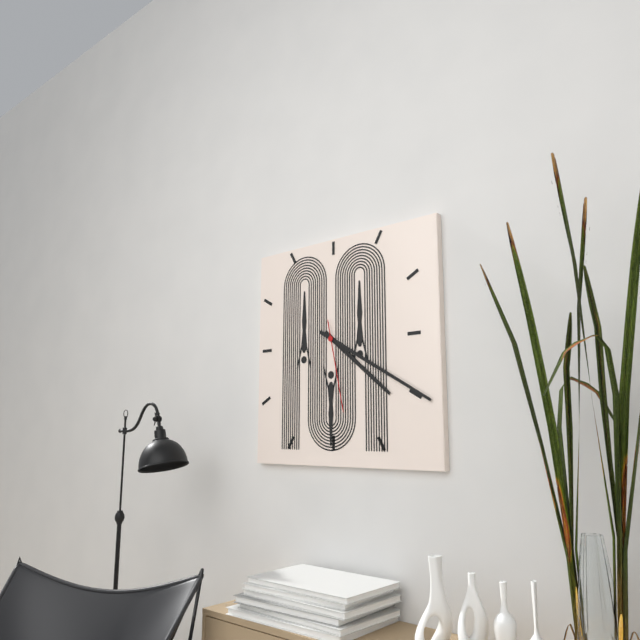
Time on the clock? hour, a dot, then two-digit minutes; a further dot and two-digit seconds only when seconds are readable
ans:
4.20.28
